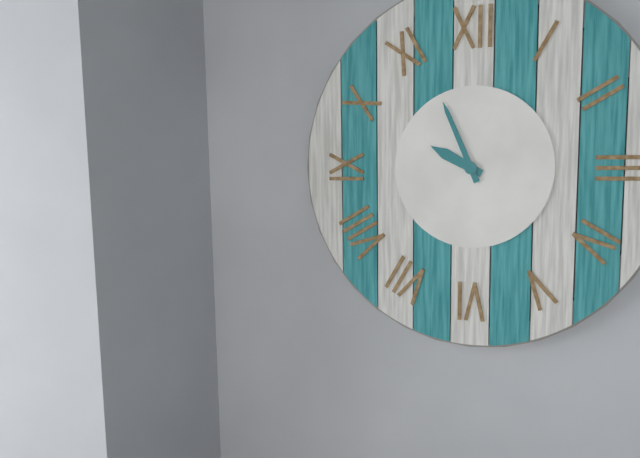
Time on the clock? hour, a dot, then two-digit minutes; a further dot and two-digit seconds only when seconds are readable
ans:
9.56
